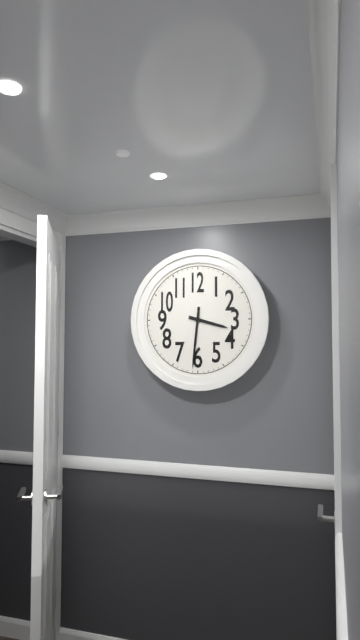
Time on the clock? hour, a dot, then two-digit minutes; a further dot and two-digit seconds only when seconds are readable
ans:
3.31
